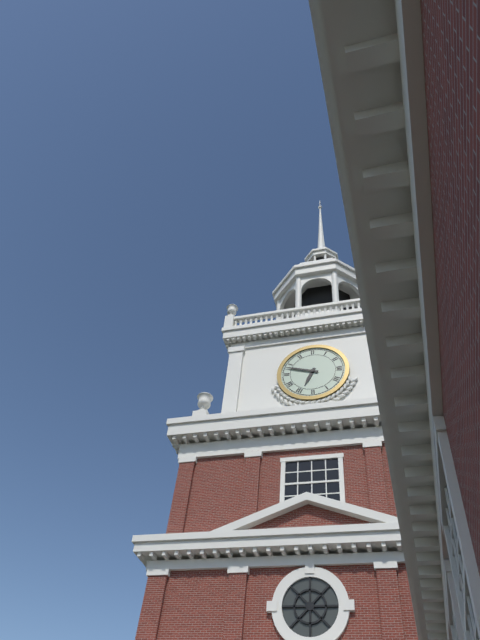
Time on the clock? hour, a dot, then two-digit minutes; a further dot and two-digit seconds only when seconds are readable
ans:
6.48
